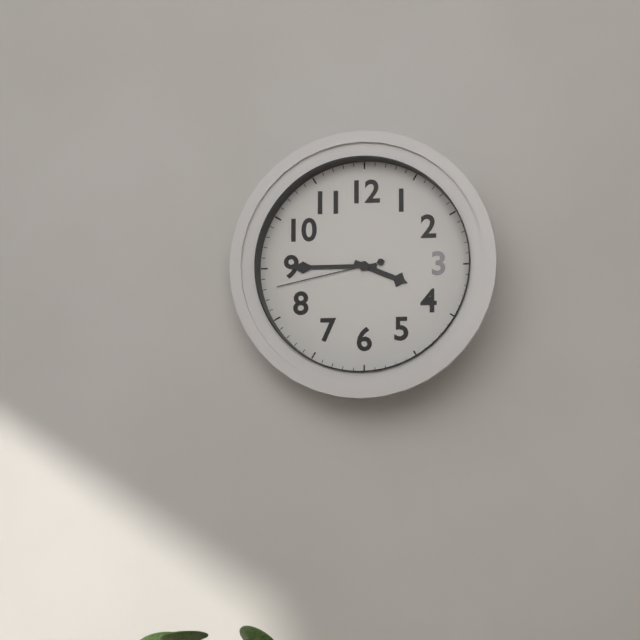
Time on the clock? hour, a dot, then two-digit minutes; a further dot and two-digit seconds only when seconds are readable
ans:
3.45.43
